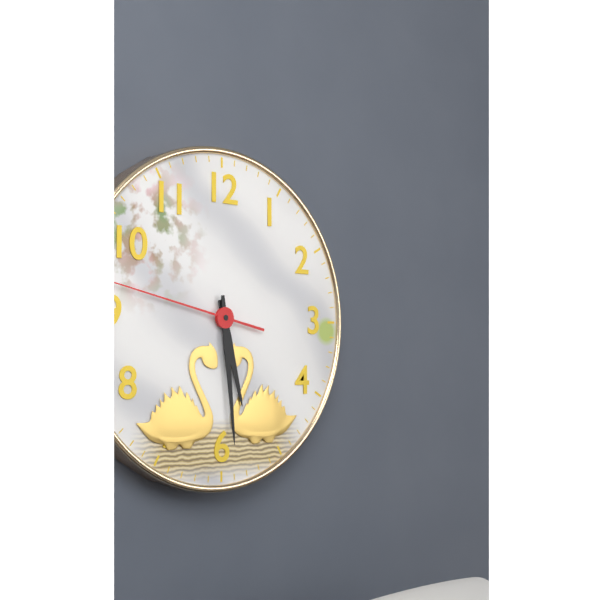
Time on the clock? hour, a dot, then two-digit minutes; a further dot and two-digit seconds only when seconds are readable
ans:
5.29.47
